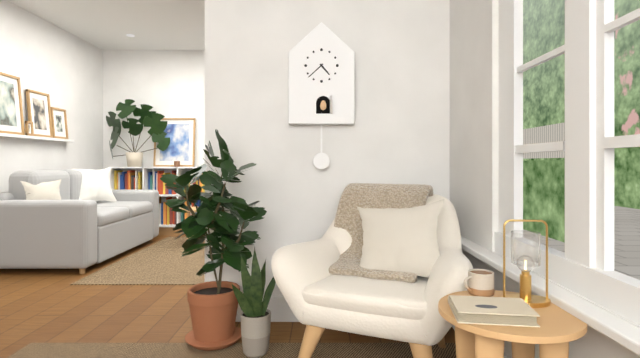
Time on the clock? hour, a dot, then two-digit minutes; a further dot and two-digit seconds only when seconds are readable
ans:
4.38
